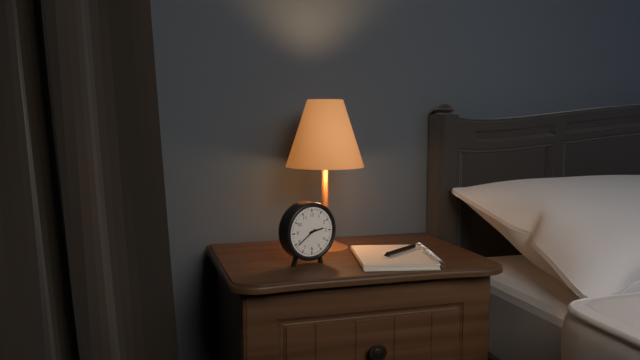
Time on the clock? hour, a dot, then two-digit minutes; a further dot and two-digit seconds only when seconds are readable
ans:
2.39
